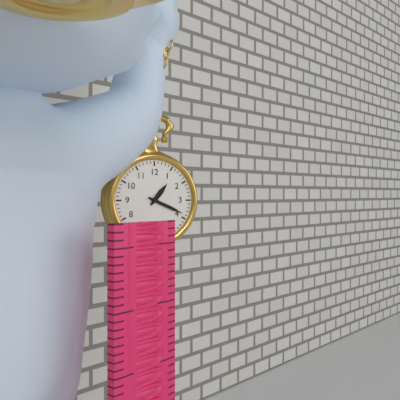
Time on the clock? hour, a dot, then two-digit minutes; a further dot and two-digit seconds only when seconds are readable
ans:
1.19
